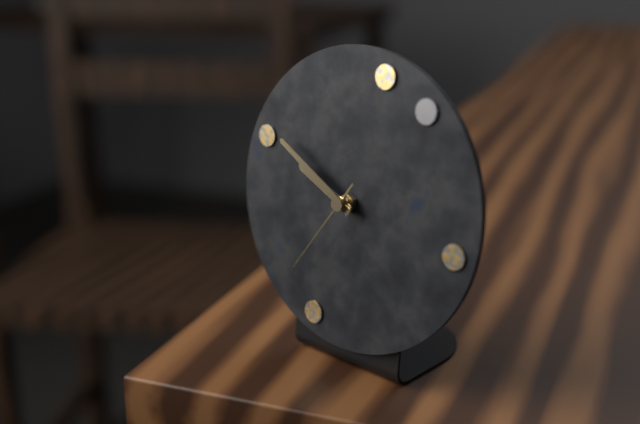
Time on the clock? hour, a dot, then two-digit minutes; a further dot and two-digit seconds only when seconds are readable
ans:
9.50.36
